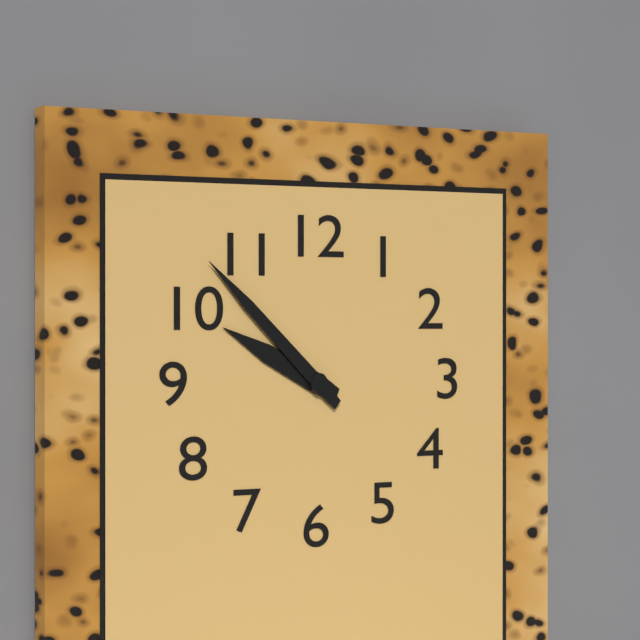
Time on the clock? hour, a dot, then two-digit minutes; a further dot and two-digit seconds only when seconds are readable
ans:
9.52
